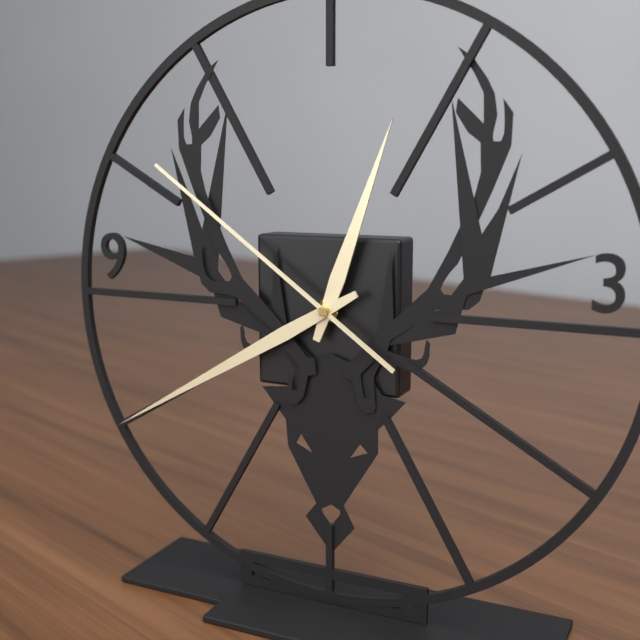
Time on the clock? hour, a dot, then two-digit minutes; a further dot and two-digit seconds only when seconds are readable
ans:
12.40.51
